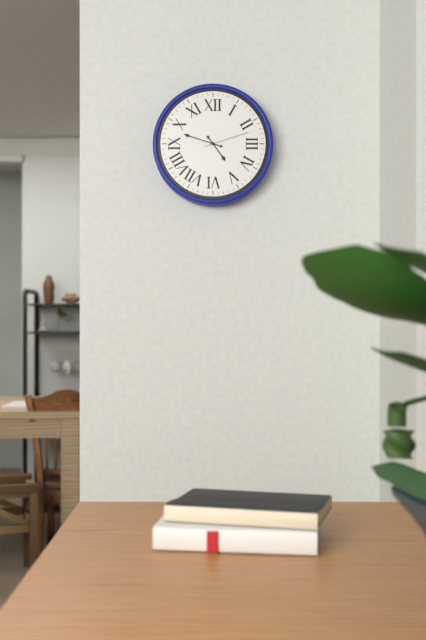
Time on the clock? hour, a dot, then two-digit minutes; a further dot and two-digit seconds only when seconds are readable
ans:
4.48
